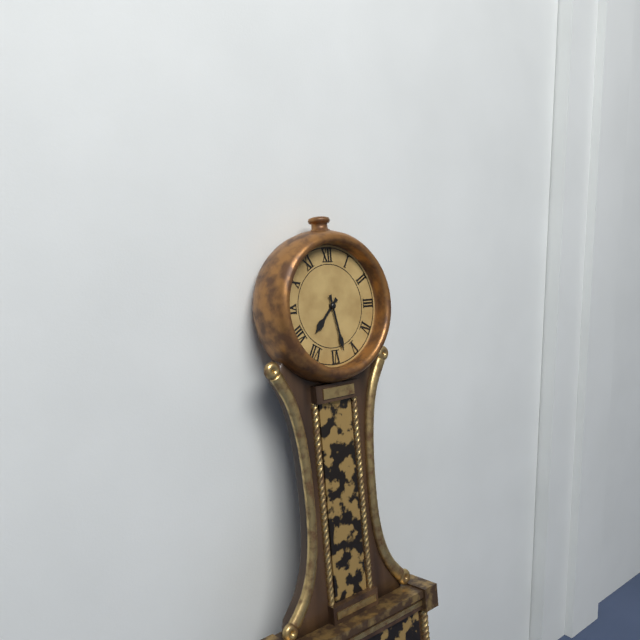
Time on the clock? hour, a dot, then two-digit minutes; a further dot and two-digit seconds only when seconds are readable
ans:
7.28
